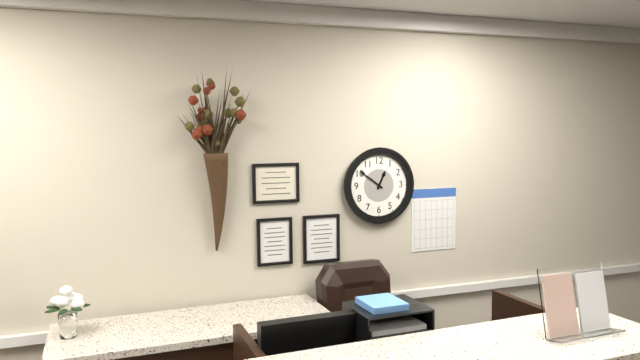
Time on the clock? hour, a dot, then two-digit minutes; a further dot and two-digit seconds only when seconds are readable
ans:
12.51
